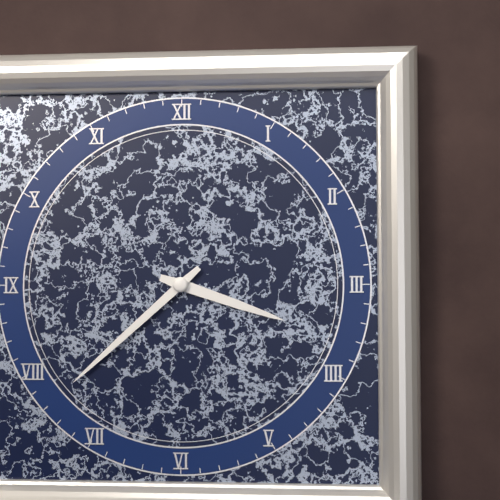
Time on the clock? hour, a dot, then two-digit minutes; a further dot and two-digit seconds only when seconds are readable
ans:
3.38
